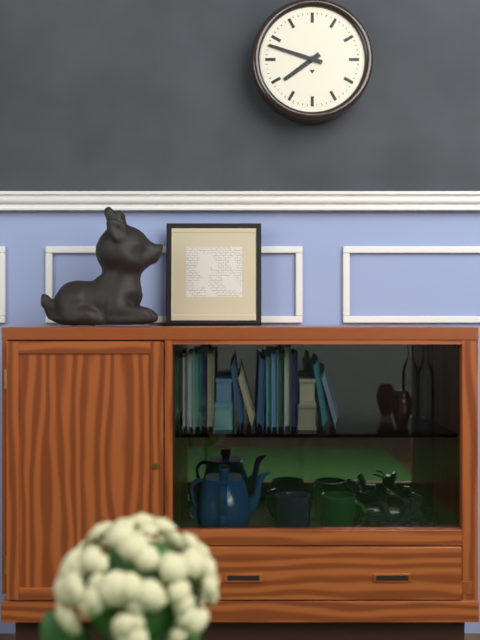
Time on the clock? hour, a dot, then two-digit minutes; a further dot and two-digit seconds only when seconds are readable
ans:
7.48
